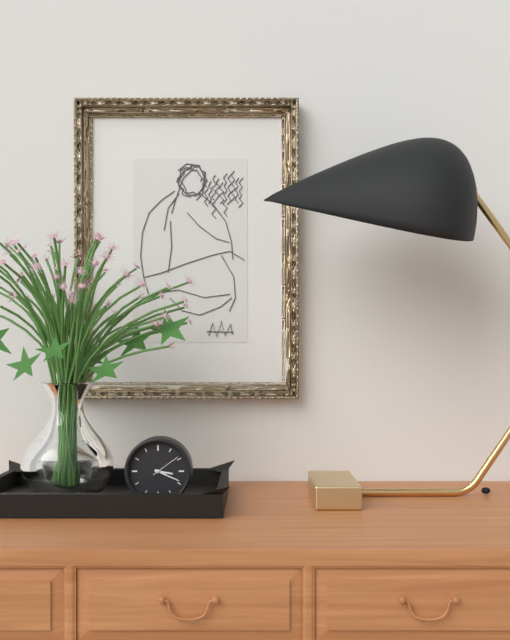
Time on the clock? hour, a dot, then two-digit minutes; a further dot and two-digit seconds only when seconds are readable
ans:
3.19
